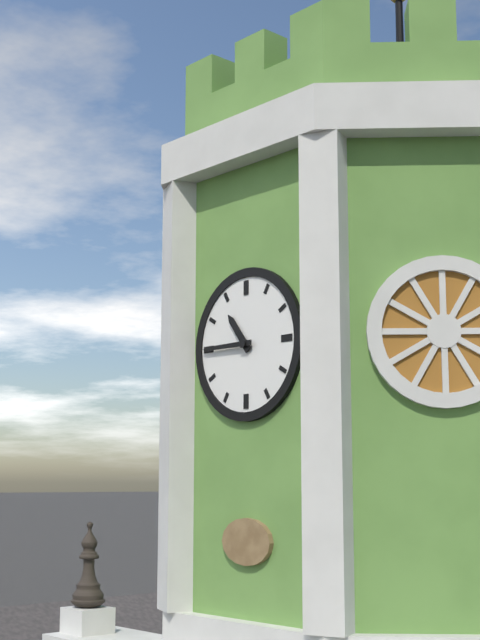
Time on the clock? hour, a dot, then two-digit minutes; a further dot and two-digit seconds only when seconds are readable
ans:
10.45
